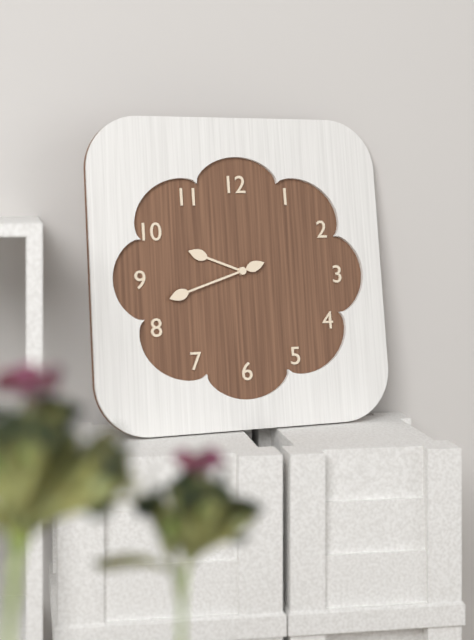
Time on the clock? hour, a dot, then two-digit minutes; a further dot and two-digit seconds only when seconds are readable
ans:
9.42
